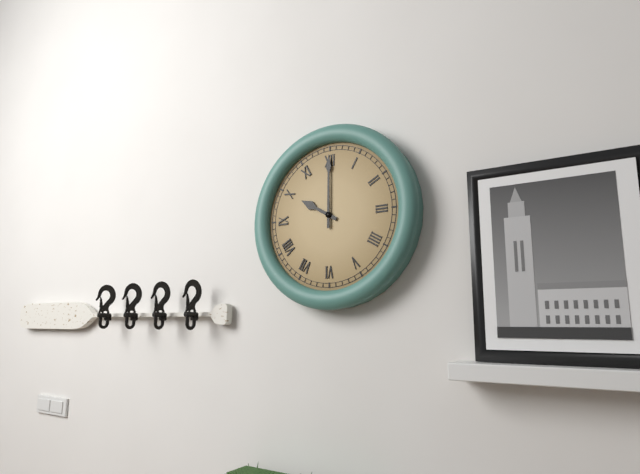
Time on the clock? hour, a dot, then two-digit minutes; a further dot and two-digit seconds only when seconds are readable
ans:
10.00
